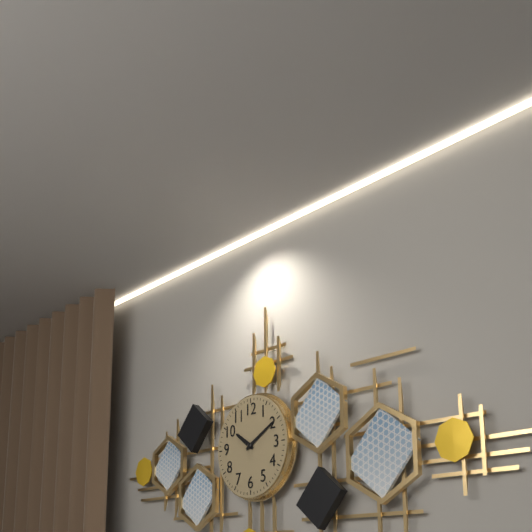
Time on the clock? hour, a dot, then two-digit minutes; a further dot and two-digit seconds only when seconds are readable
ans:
10.10
